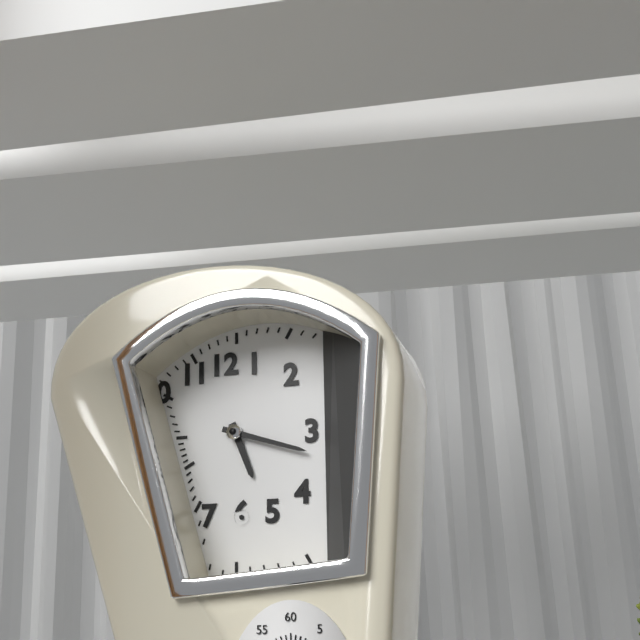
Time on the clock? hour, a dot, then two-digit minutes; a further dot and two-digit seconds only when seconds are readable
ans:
5.18
